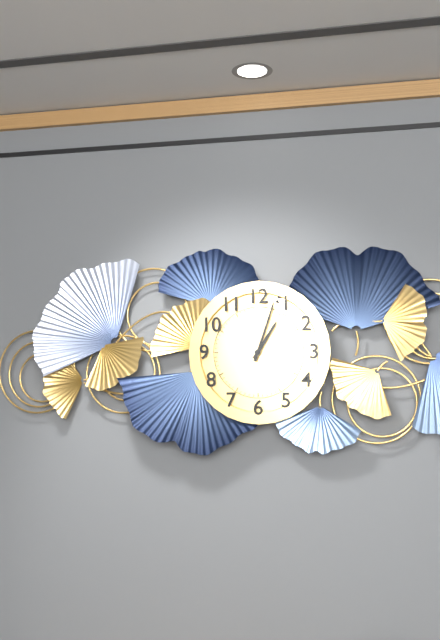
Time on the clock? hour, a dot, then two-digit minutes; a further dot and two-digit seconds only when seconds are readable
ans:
1.03
